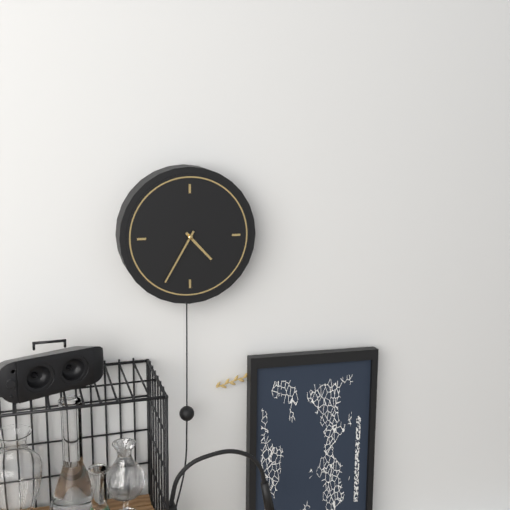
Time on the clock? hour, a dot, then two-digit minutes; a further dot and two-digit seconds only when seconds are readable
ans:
4.35
